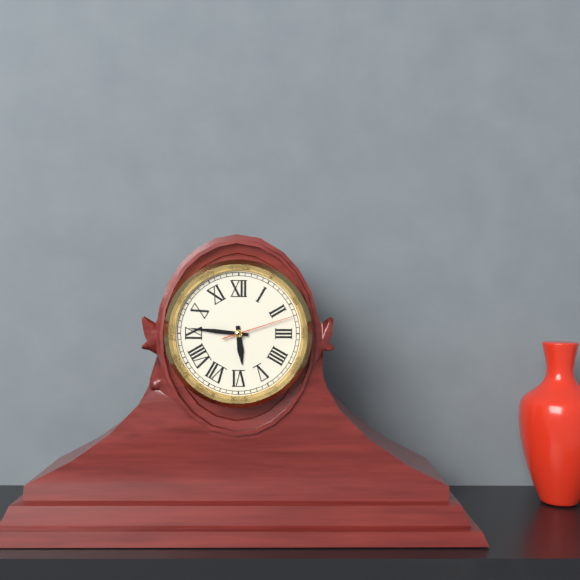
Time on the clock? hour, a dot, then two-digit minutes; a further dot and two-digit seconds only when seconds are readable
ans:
5.46.12
